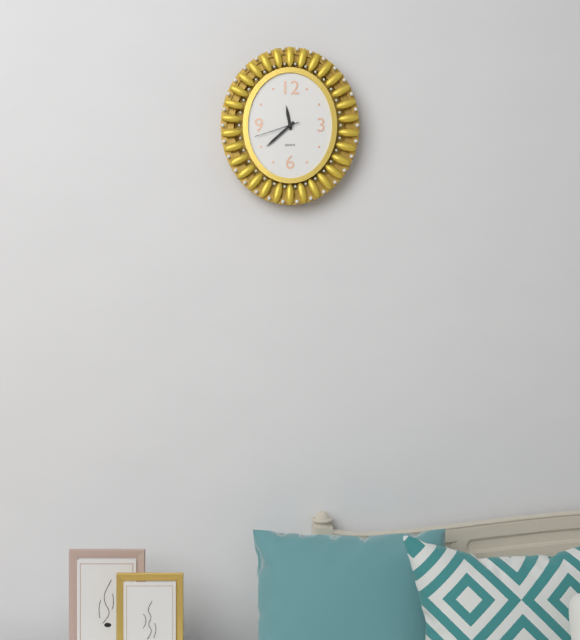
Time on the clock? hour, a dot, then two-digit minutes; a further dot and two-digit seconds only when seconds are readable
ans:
11.38
